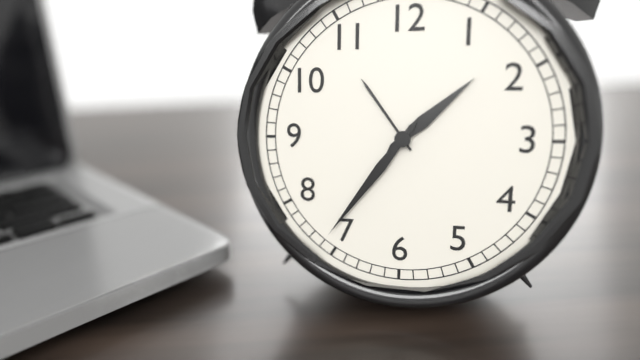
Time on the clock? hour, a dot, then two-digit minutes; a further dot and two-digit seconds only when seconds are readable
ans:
1.36
